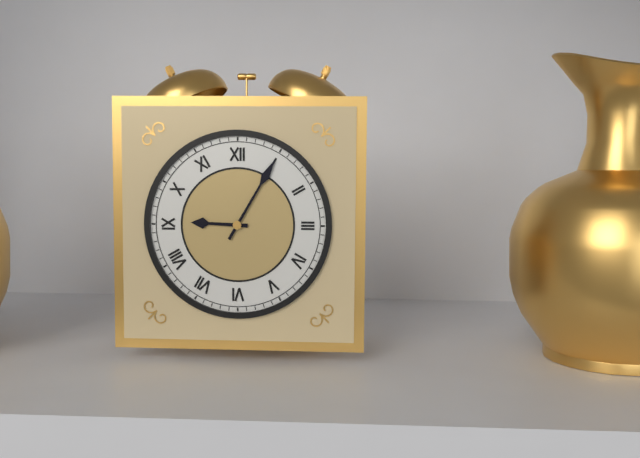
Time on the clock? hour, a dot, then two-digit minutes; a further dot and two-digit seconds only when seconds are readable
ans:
9.05
